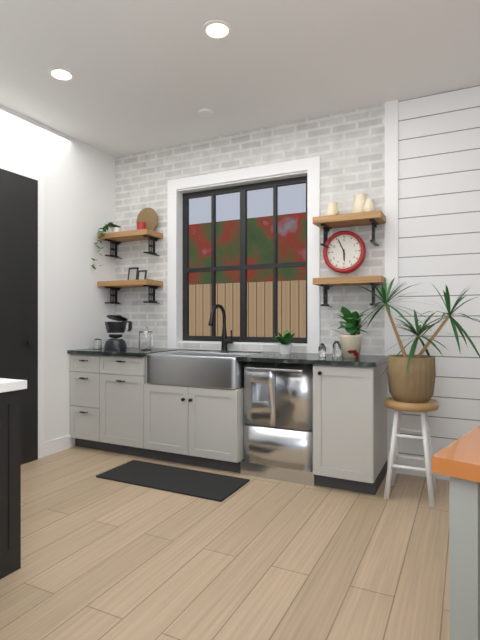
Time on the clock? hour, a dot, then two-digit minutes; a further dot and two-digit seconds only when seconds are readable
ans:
5.56
